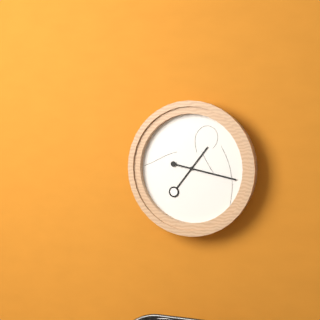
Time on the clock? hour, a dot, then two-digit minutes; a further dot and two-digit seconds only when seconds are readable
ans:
1.17
